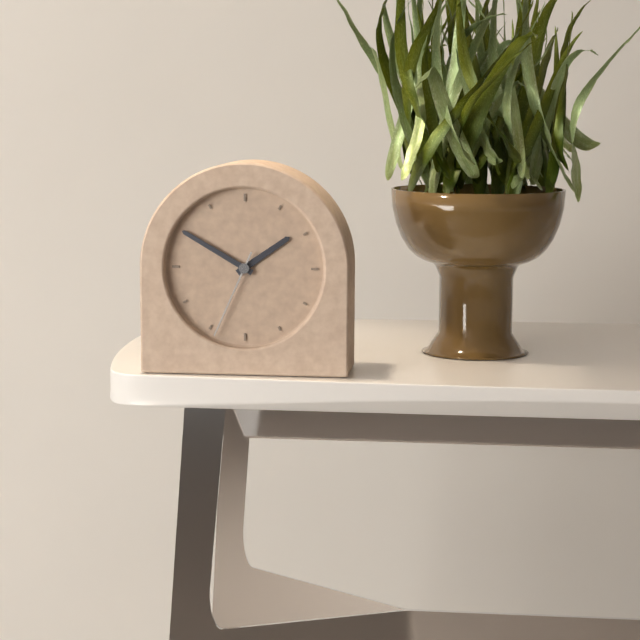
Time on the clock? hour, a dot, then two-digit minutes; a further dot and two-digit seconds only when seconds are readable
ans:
1.50.34
